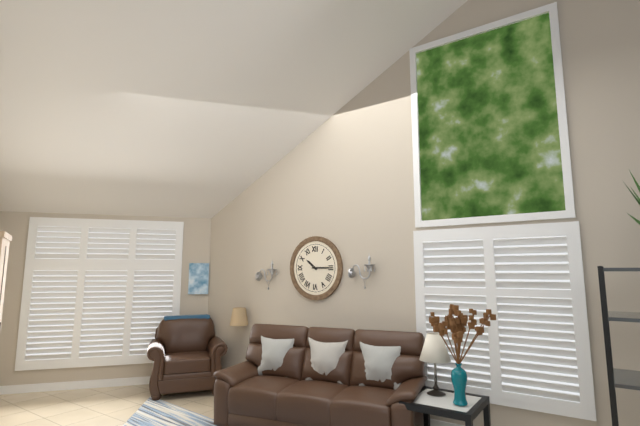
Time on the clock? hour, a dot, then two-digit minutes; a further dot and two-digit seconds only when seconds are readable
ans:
10.15
